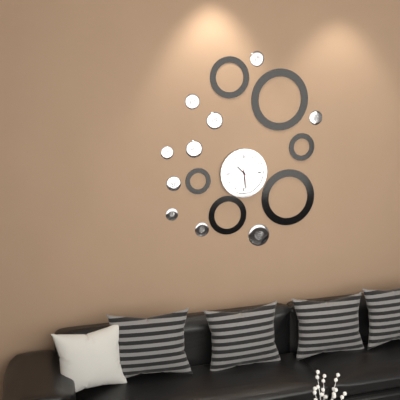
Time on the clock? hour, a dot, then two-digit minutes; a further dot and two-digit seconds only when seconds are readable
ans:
10.29
